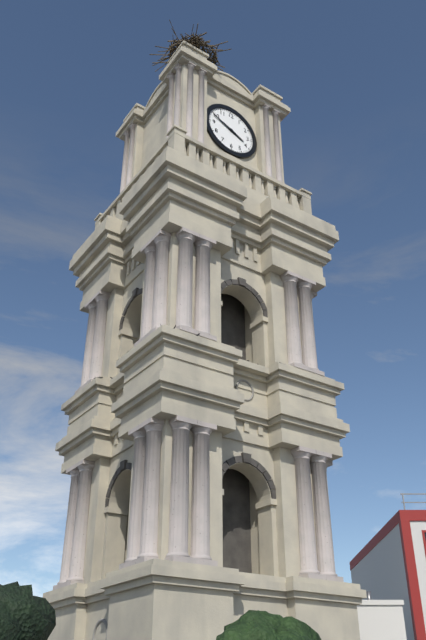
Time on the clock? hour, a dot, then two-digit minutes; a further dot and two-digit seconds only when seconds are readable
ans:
3.49
